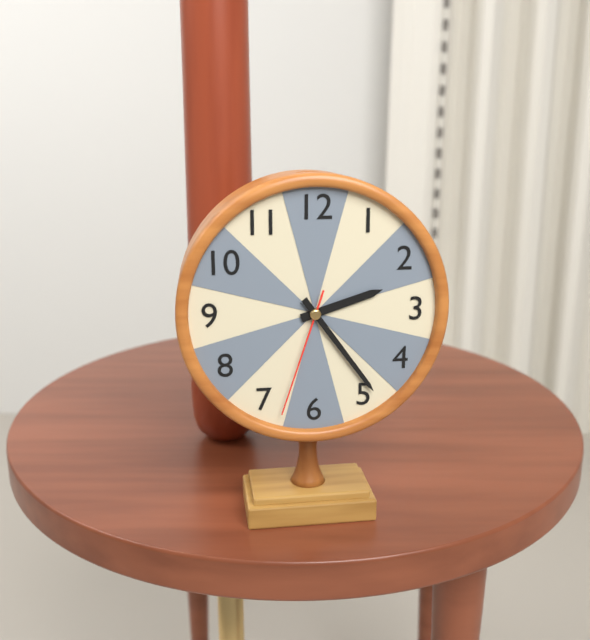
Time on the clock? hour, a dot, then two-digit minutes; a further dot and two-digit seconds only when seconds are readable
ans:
2.24.33
